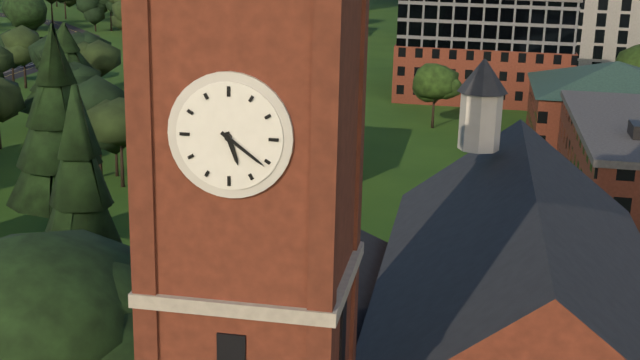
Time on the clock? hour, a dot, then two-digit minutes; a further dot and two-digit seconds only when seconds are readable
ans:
5.21
